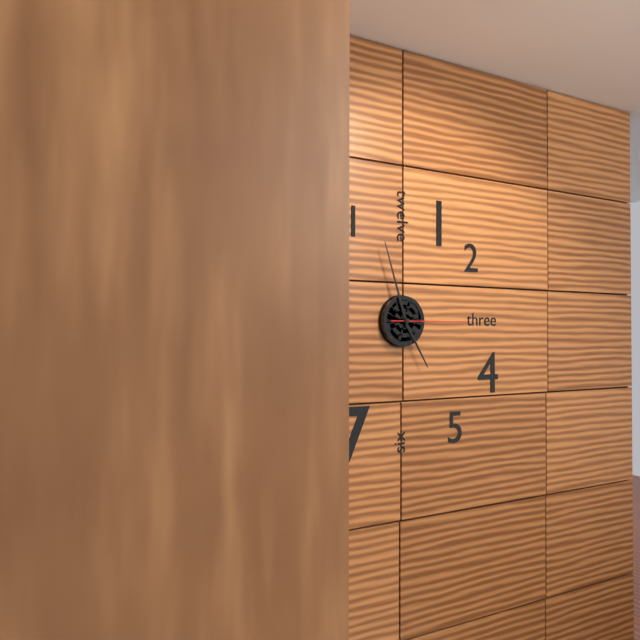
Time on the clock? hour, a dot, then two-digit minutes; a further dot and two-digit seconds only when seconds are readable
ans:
4.57.15
